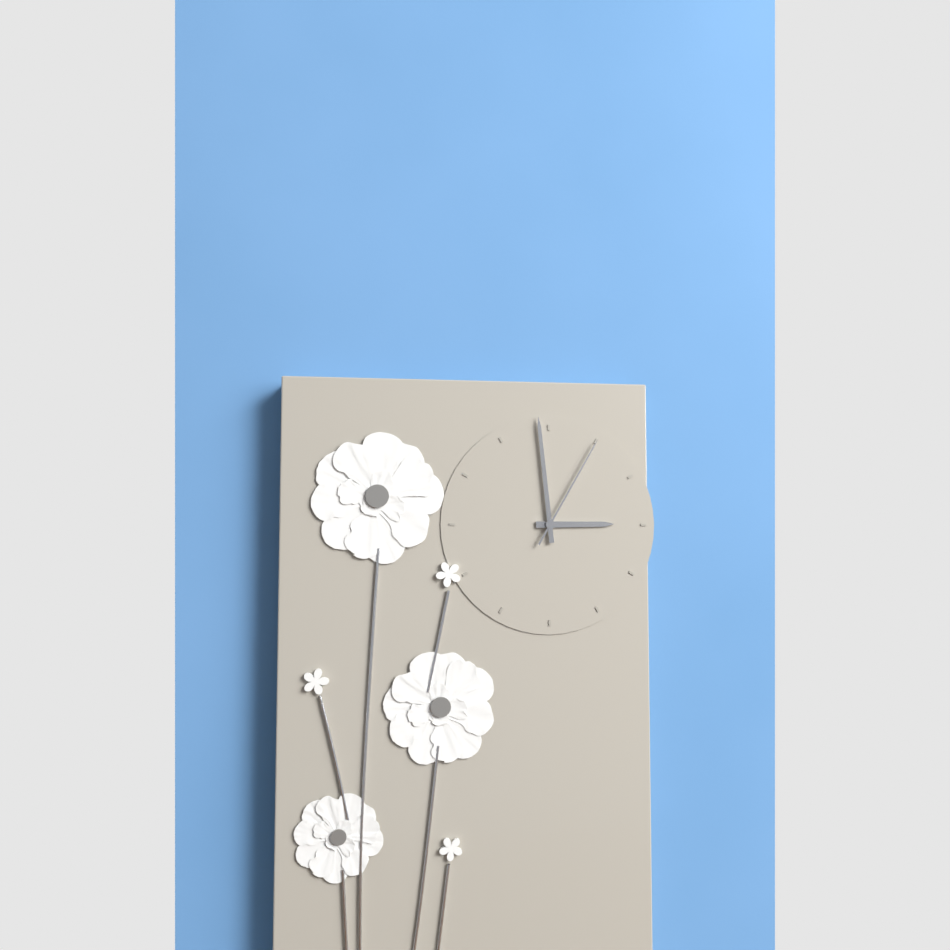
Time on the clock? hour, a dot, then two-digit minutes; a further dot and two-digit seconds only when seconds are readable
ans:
2.59.05
